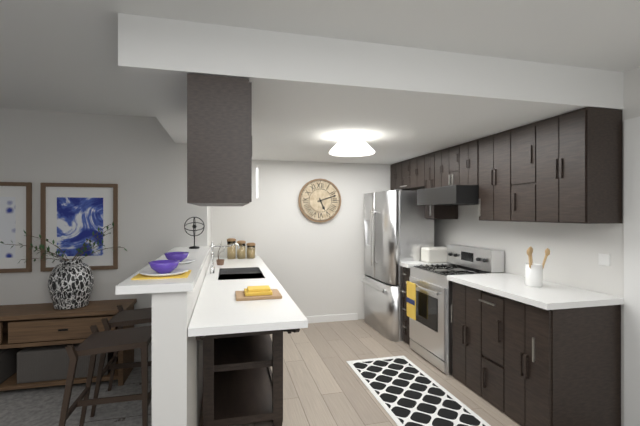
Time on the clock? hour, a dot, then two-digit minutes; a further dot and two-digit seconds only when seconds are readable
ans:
5.12
